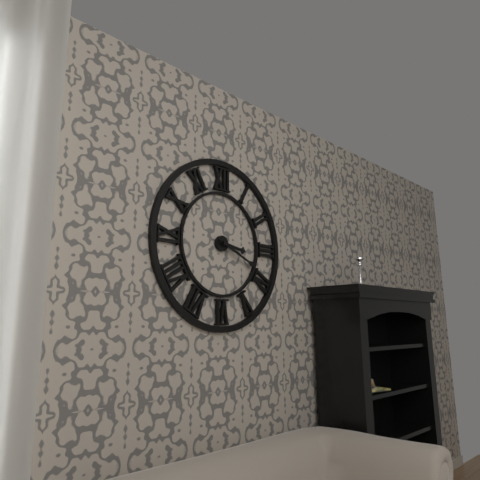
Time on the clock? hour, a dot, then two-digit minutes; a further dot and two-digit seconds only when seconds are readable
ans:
3.19
